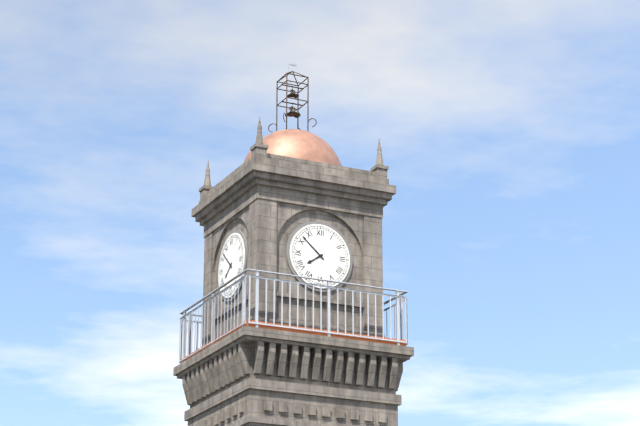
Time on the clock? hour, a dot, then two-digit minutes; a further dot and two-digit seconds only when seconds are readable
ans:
7.52
